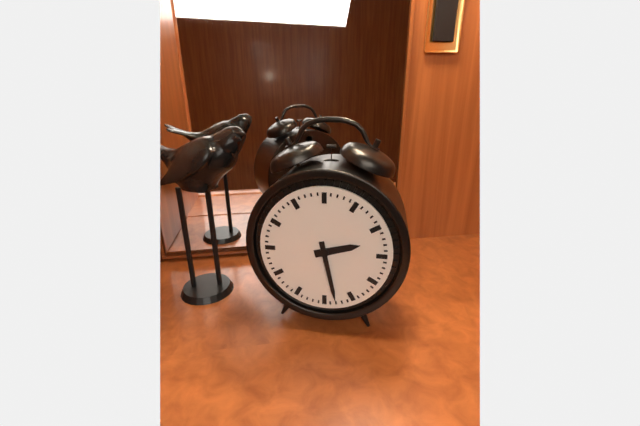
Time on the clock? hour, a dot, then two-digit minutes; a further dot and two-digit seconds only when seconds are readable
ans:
2.28
